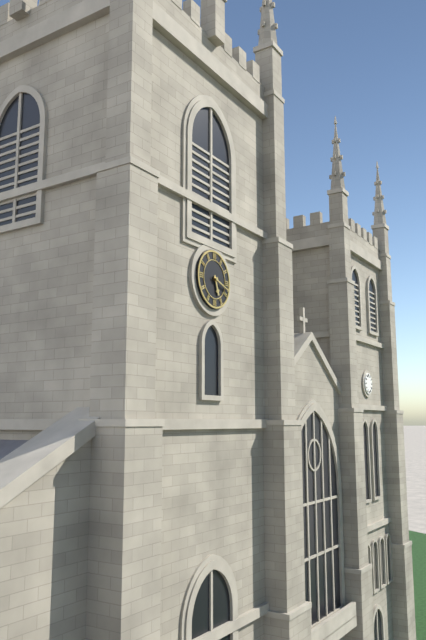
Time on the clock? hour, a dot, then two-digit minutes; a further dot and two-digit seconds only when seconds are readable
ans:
5.18
